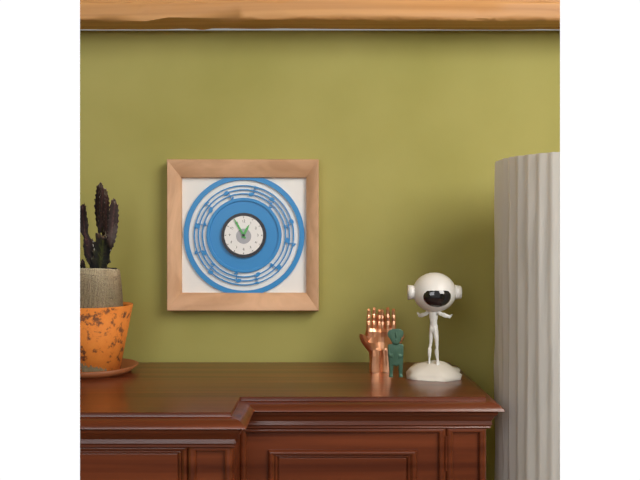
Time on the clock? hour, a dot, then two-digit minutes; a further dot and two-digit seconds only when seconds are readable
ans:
12.55
